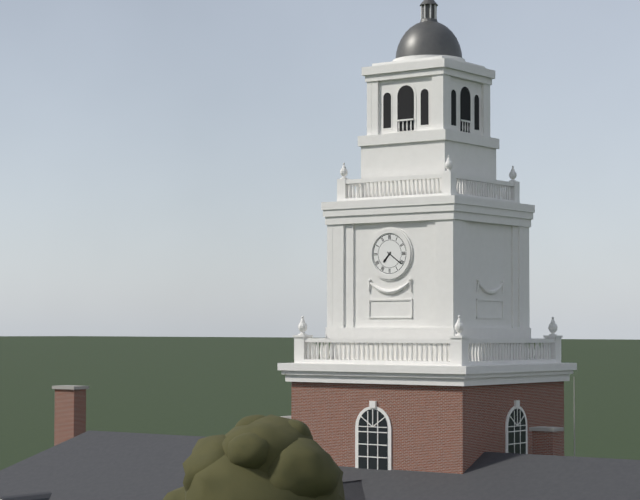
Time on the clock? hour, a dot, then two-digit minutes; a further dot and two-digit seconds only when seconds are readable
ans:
7.21
